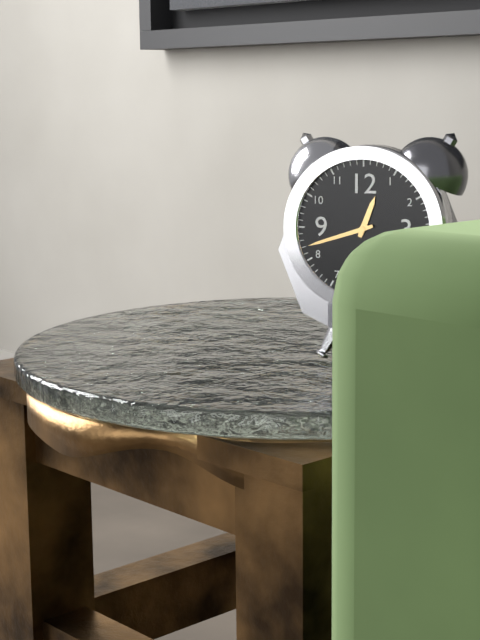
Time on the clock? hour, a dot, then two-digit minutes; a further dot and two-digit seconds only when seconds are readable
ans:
12.42
